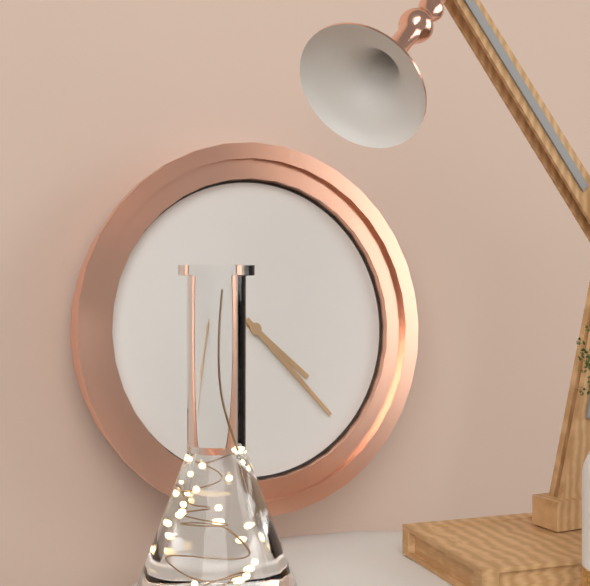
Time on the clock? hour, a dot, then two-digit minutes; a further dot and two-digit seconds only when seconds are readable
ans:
4.23
